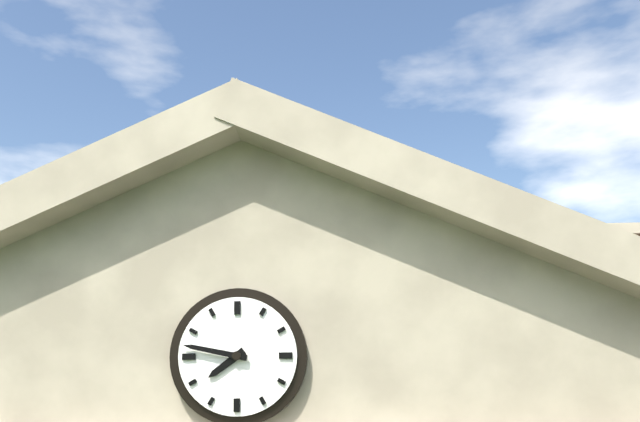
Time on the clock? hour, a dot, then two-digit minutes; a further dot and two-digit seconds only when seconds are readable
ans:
7.47
